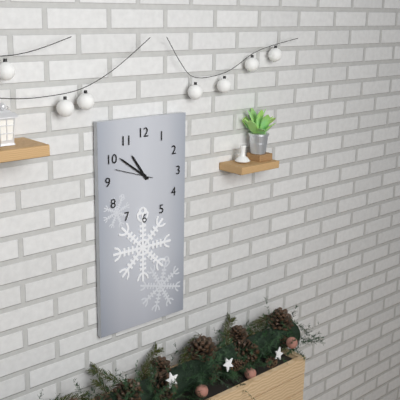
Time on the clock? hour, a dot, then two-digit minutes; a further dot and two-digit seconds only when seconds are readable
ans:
10.51
